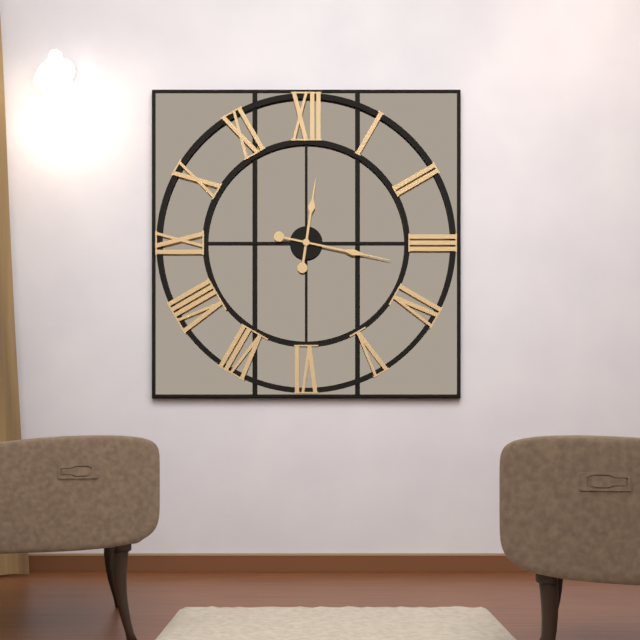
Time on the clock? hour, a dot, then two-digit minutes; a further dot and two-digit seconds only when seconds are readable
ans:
12.17
